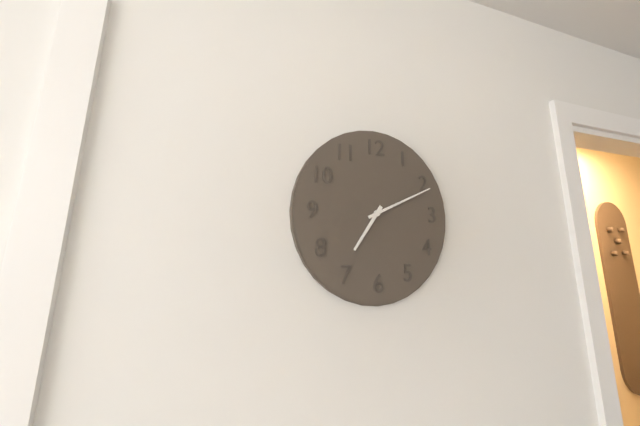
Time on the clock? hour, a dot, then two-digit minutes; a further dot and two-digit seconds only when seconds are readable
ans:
7.11
